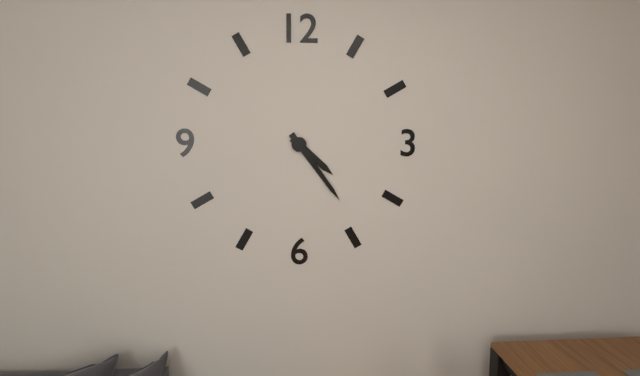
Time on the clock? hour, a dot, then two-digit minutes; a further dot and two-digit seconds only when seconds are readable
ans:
4.24
